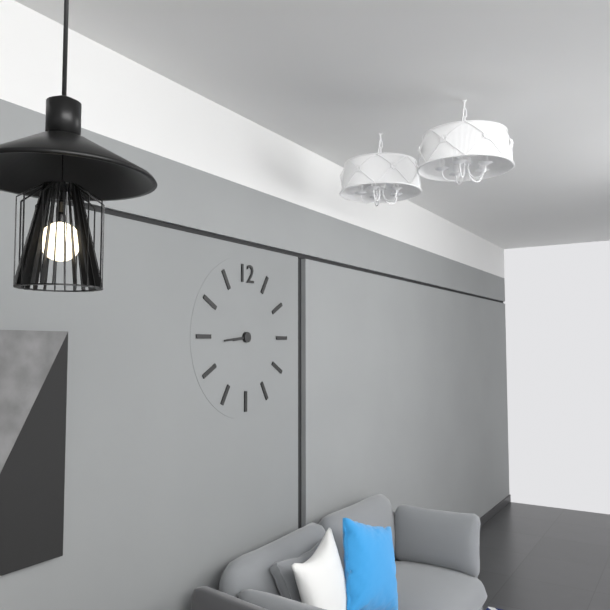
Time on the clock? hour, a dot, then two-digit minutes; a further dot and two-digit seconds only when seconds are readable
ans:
8.44
